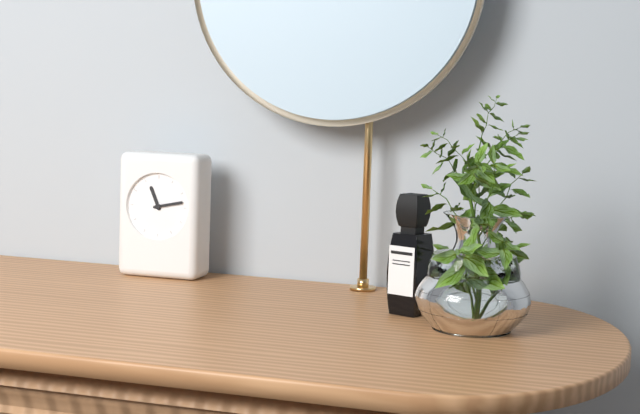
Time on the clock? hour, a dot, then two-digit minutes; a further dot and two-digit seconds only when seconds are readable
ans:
11.13
